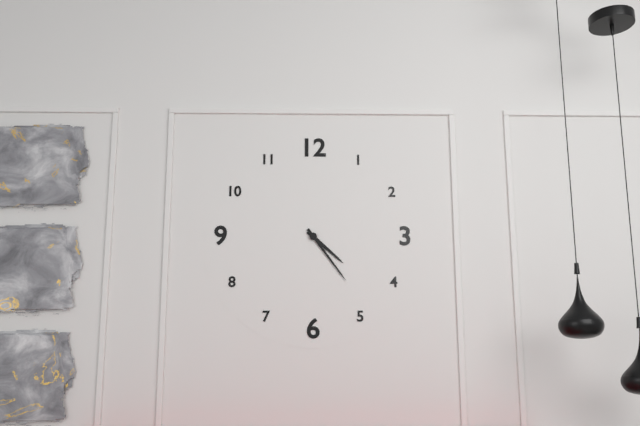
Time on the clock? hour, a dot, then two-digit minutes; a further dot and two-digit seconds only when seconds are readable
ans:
4.24
